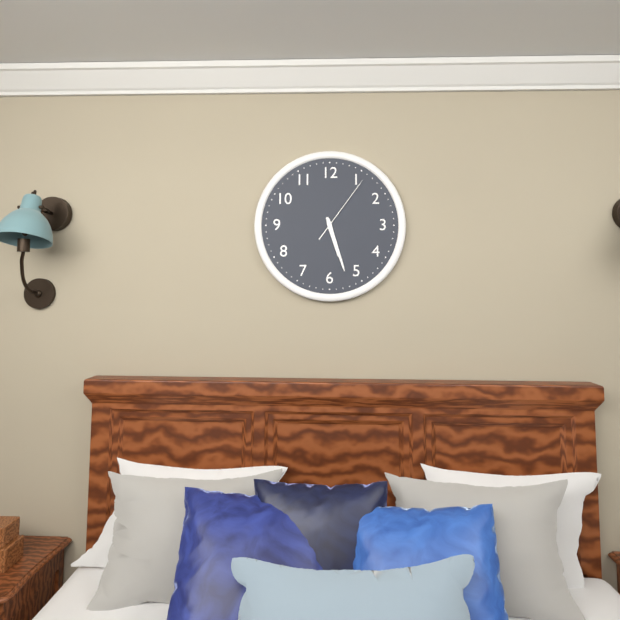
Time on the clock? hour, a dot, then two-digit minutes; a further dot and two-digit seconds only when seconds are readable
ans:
5.27.06
